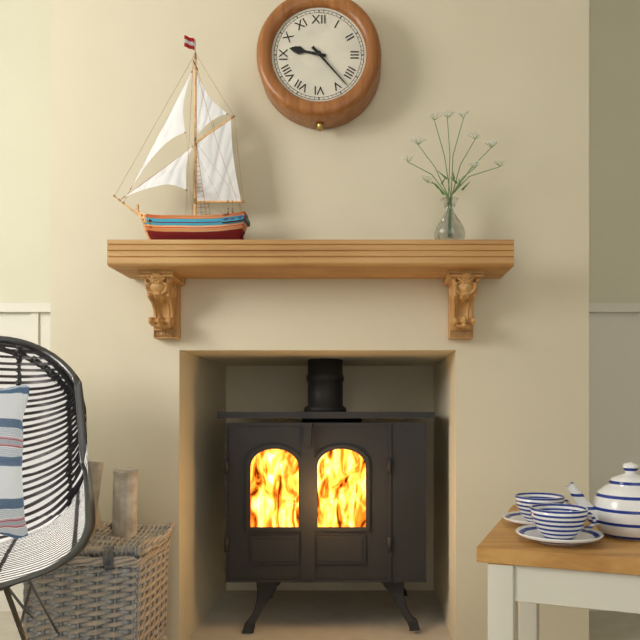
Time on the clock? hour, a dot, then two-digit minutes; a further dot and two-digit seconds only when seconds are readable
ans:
9.23
